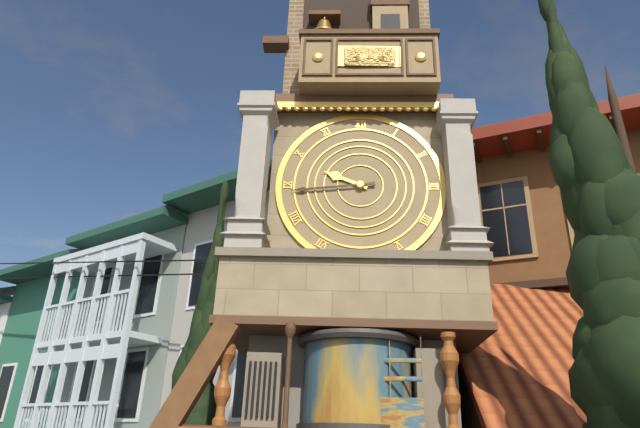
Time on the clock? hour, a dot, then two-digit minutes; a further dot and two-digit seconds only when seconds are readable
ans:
9.44
